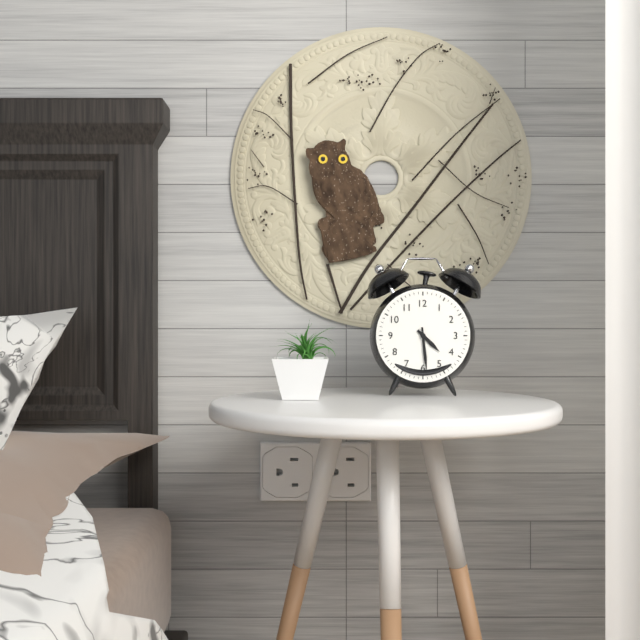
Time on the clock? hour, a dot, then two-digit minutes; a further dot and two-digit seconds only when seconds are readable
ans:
4.29
